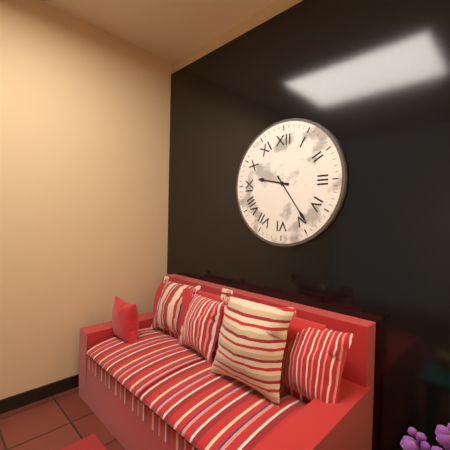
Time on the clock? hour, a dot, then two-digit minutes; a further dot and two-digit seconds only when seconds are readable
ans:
9.24
